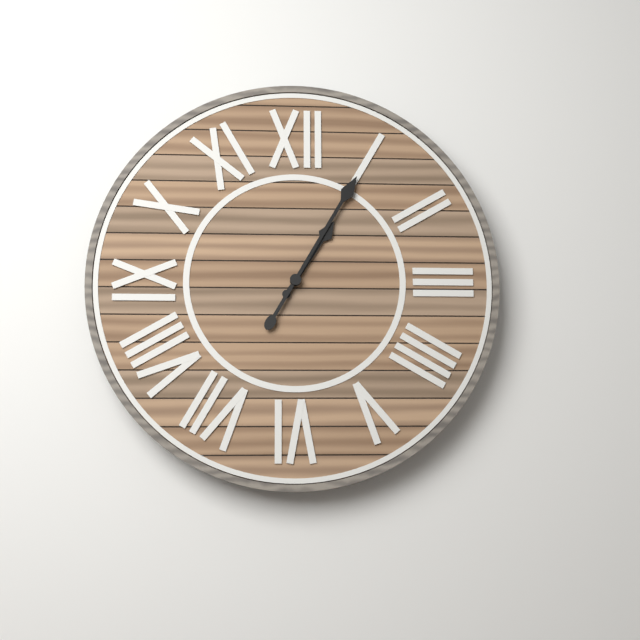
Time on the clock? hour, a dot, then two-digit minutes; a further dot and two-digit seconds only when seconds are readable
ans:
1.05
